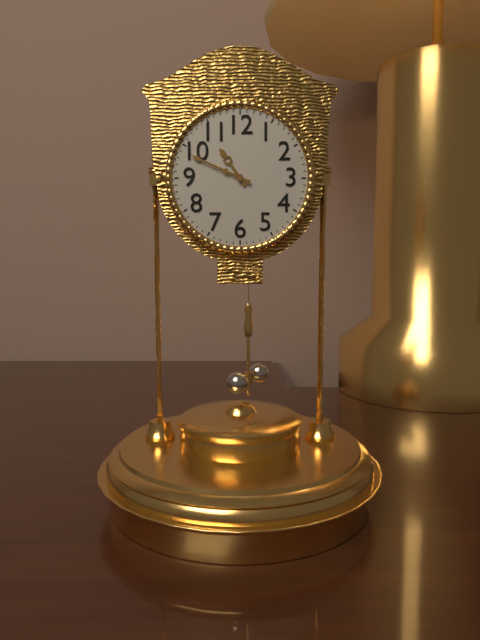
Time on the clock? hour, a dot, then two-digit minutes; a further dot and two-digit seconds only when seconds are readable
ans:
10.49
